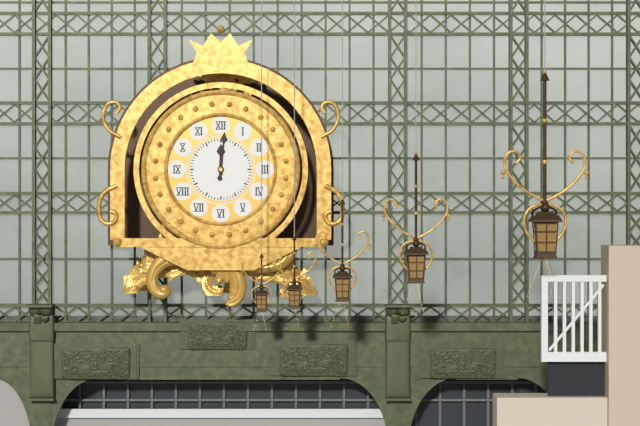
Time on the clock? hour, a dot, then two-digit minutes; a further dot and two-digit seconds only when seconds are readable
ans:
12.01
